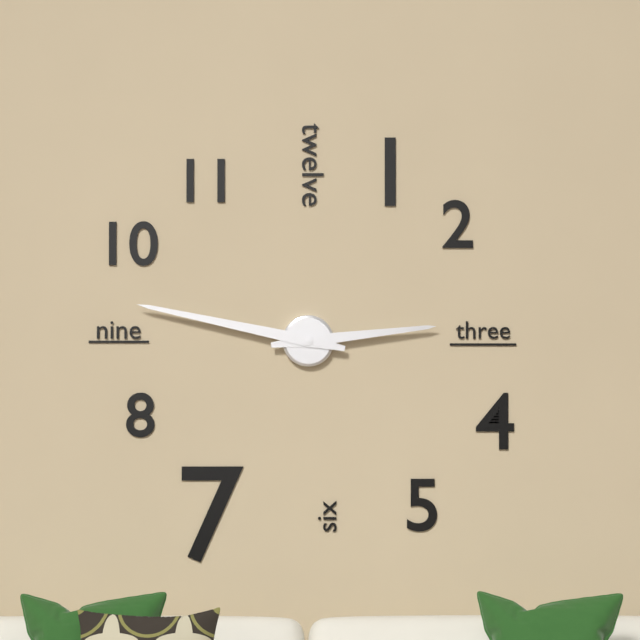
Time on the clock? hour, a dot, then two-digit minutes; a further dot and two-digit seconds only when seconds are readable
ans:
2.47
